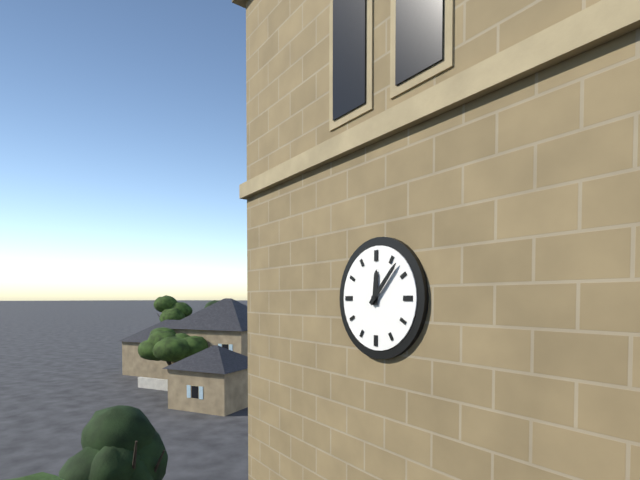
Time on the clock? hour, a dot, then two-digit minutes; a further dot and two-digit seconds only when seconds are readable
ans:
12.07
